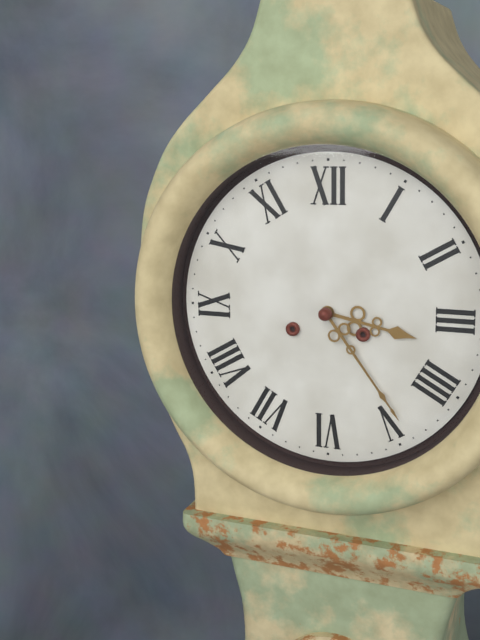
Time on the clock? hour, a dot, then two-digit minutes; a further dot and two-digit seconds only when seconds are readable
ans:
3.24
